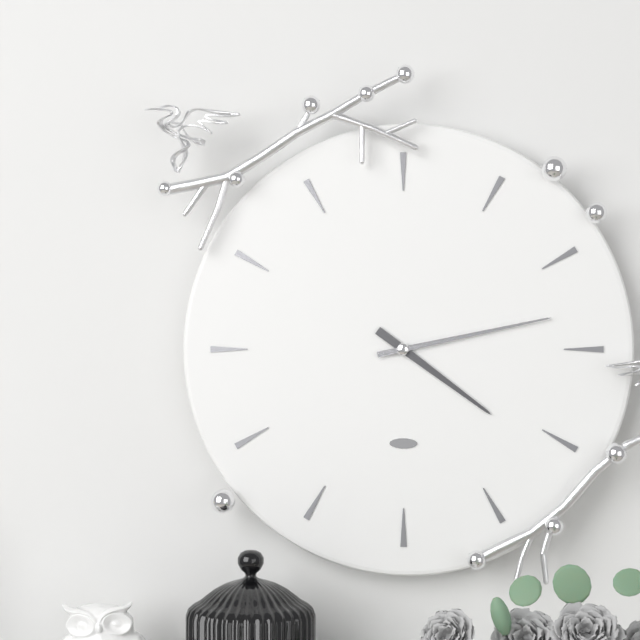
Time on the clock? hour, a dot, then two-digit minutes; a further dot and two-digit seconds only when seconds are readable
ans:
4.13
